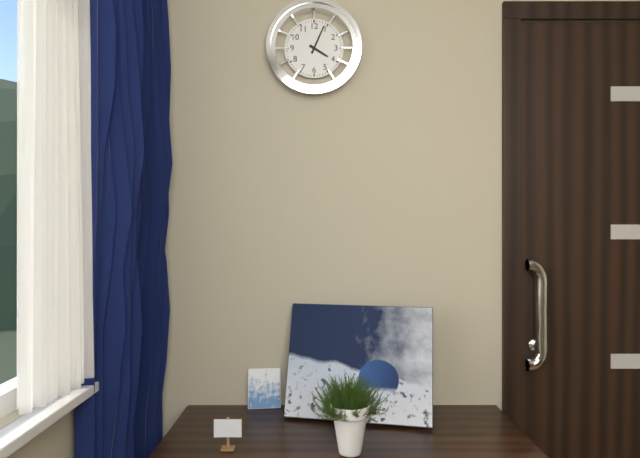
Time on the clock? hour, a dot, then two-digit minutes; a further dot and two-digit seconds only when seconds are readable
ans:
4.04
